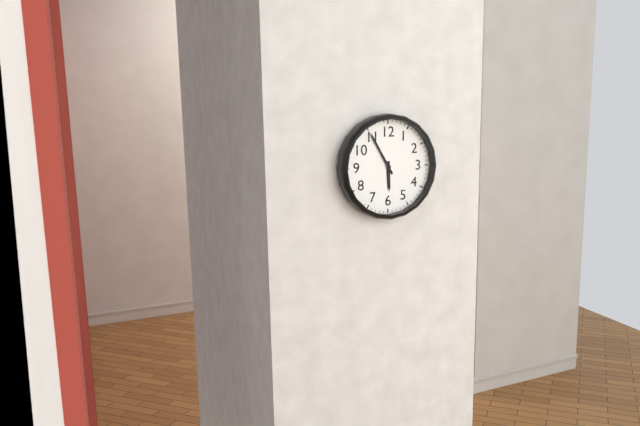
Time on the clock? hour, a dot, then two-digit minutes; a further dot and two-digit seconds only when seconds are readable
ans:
5.55
